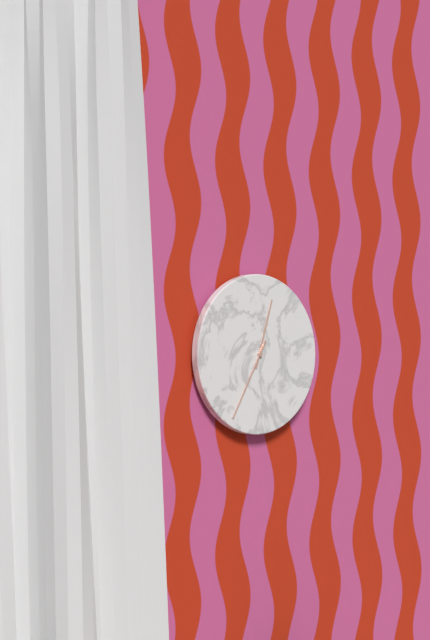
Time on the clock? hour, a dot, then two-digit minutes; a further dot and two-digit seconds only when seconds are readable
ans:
12.35
